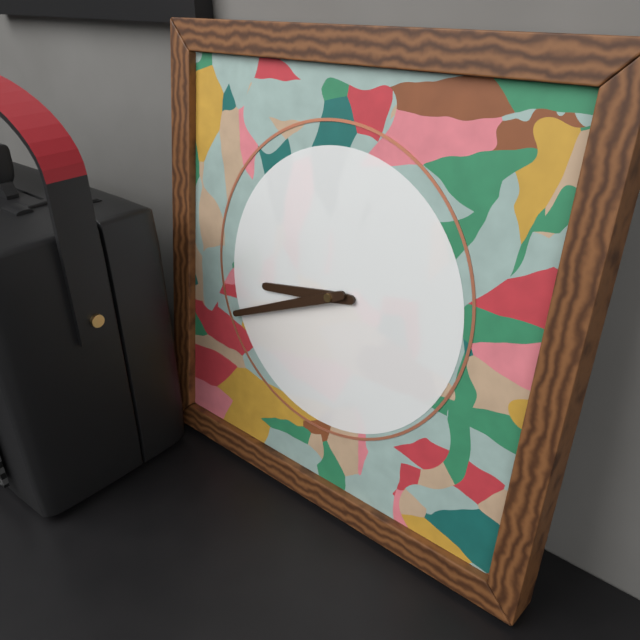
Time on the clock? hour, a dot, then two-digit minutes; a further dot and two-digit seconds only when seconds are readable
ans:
8.41
